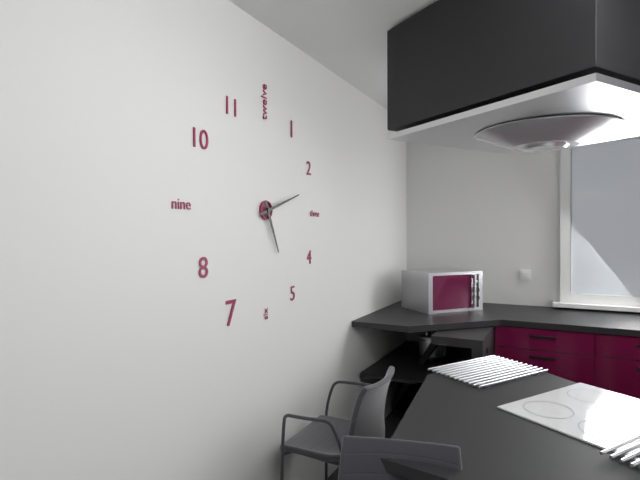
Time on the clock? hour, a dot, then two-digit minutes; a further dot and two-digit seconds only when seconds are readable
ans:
5.12
